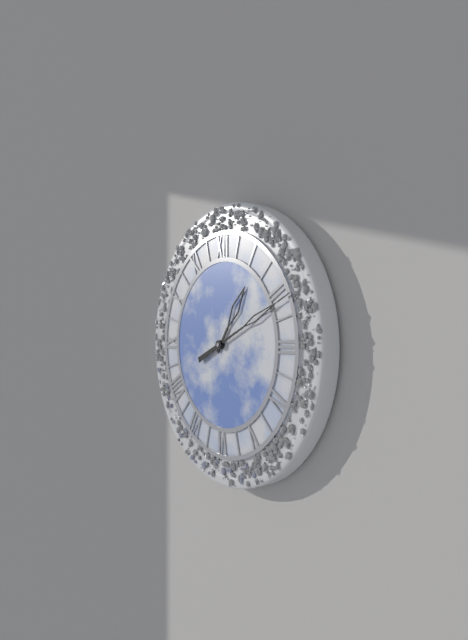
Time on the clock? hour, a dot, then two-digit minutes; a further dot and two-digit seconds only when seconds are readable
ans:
1.11
